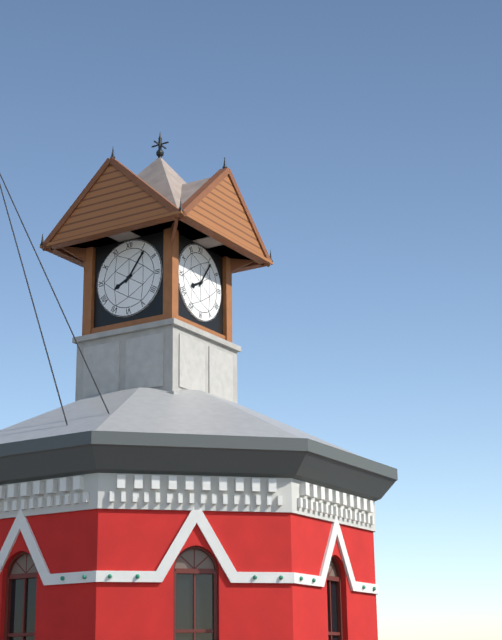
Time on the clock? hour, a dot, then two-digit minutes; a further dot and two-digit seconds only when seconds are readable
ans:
8.06
